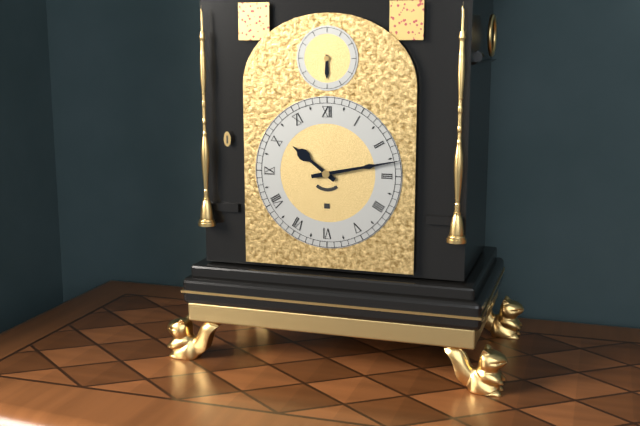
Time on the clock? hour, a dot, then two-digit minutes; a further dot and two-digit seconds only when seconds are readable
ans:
10.13
